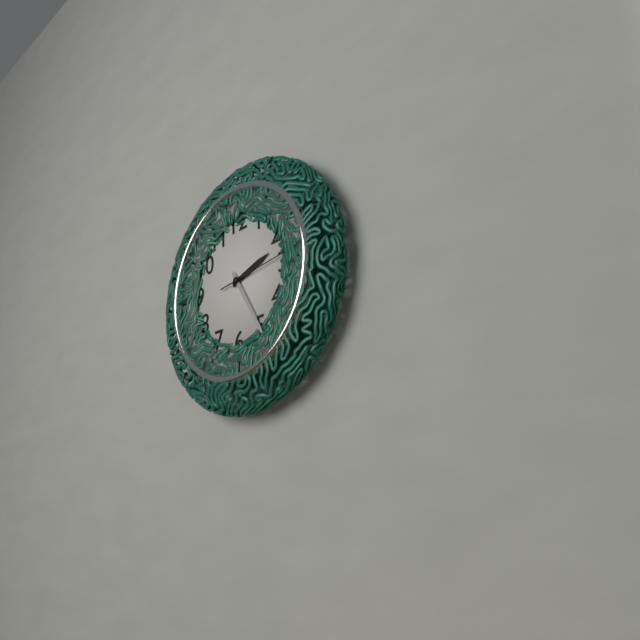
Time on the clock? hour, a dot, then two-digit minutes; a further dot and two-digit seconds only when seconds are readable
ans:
2.25.14
